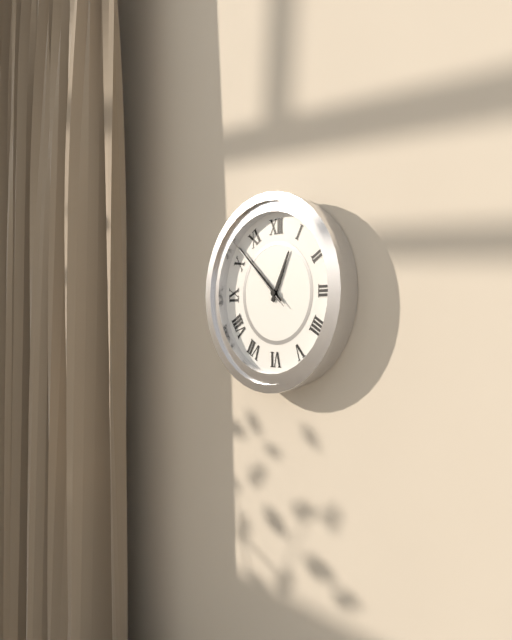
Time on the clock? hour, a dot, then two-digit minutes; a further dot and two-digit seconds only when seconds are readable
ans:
12.52.52
